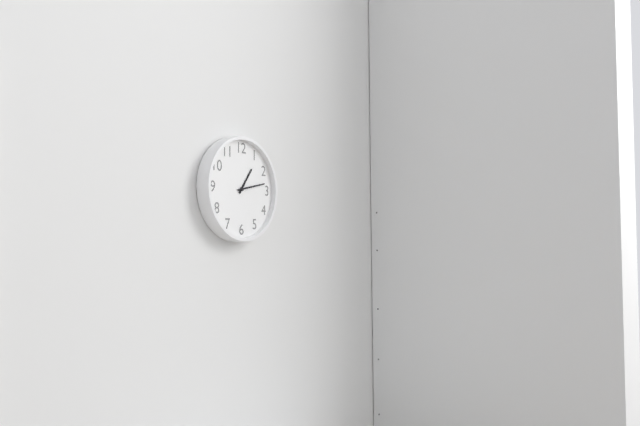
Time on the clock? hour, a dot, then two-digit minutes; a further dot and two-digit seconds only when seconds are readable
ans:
1.13
